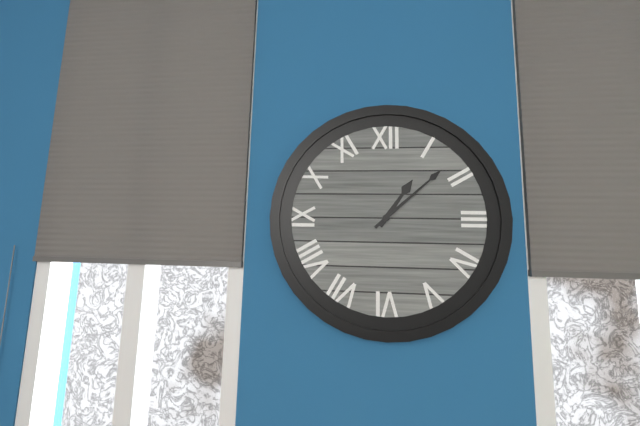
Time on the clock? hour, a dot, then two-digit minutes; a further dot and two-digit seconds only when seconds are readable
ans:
1.08
